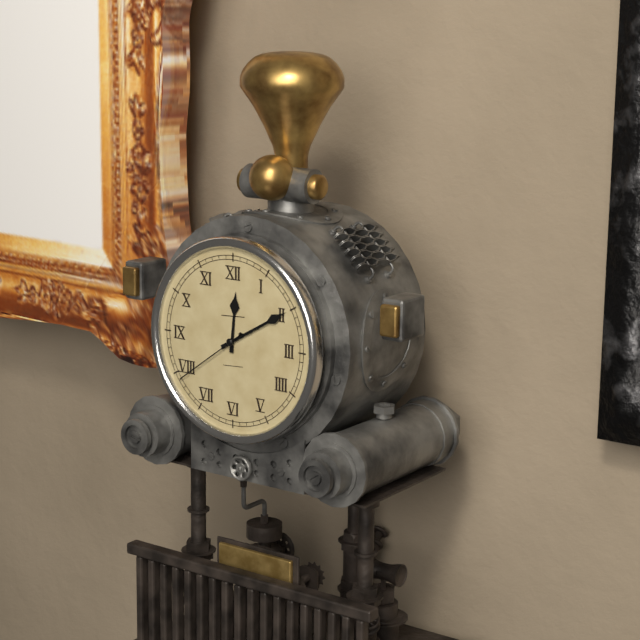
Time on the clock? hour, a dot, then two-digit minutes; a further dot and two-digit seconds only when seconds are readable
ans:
12.10.39
